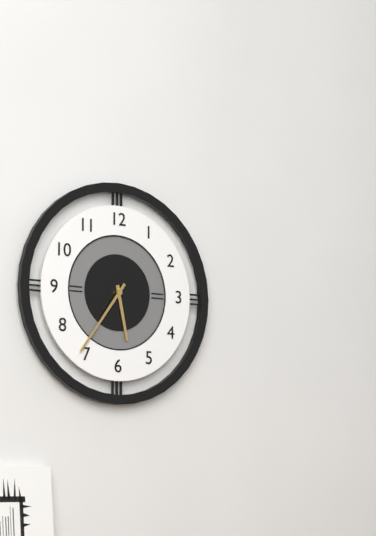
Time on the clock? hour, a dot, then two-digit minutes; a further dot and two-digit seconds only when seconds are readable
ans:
5.36
